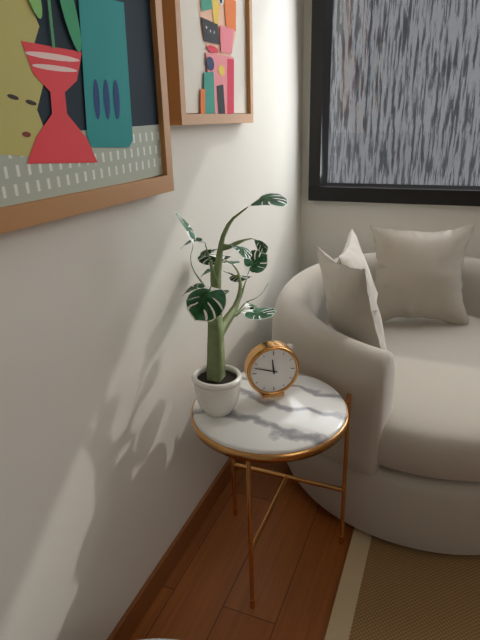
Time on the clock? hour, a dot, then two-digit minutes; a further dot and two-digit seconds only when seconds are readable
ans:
11.48
